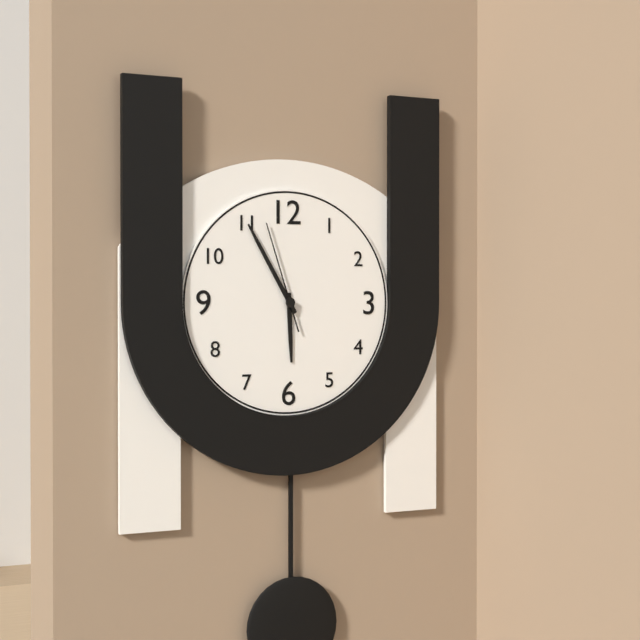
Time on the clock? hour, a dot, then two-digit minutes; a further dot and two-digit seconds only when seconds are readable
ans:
5.55.57
